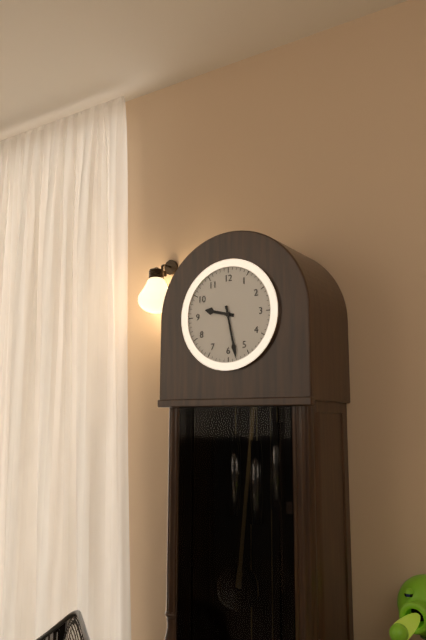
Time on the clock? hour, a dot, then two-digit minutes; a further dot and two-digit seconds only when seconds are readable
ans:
9.28
